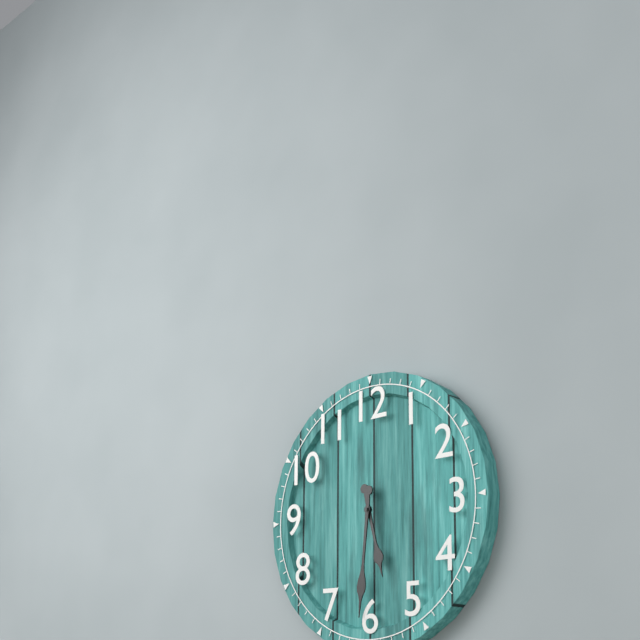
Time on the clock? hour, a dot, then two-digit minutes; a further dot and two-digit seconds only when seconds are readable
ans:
5.31
